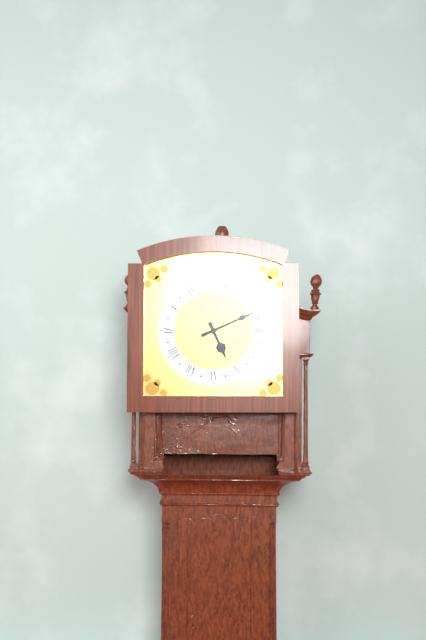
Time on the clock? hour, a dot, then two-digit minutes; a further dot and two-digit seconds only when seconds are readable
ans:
5.11
